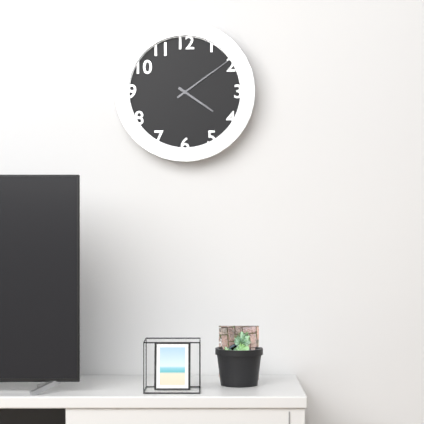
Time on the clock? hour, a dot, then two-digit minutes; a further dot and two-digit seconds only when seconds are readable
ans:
4.09
